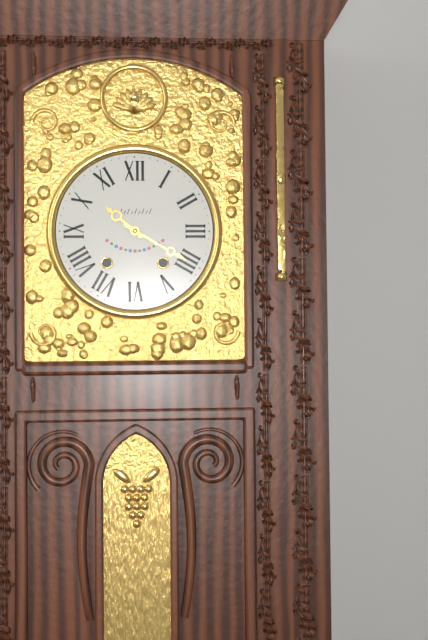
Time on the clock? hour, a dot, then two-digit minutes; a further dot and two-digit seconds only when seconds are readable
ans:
10.20
